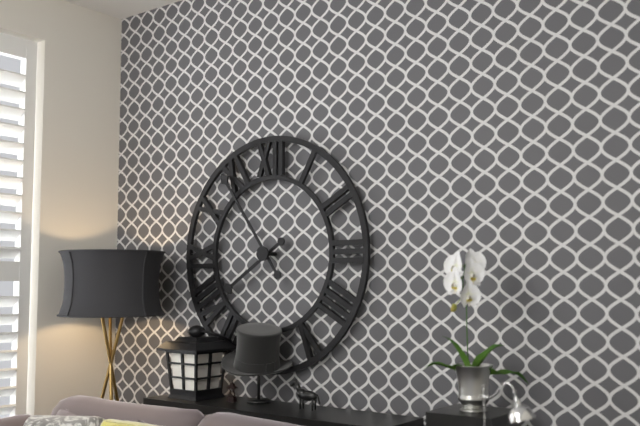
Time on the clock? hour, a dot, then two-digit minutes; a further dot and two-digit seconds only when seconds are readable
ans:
7.54
